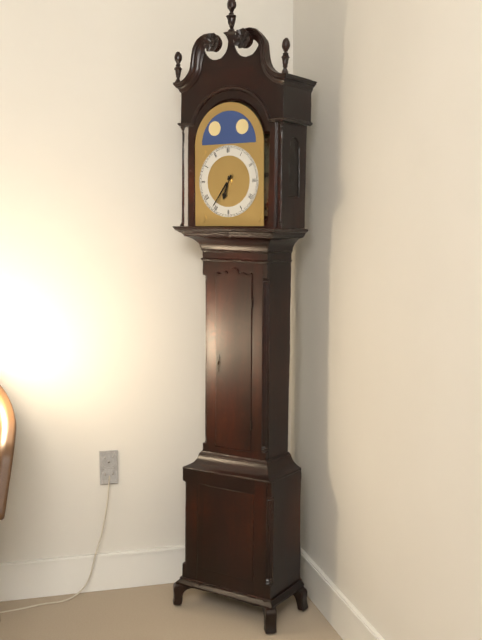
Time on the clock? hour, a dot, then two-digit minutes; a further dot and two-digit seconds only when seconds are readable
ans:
6.36
